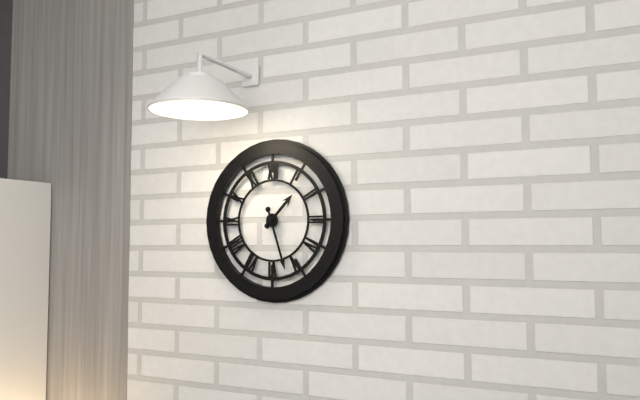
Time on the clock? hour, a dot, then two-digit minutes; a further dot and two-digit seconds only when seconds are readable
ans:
1.27
